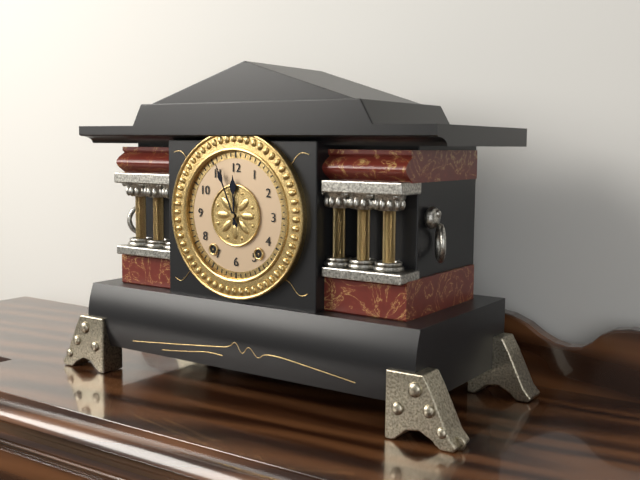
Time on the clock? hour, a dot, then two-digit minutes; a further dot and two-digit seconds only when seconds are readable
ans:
11.56
